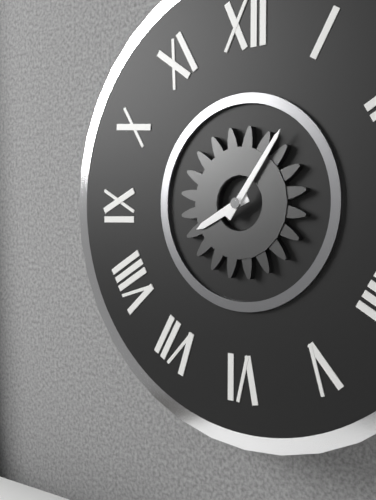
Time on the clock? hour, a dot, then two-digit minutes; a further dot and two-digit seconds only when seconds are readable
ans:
8.06
